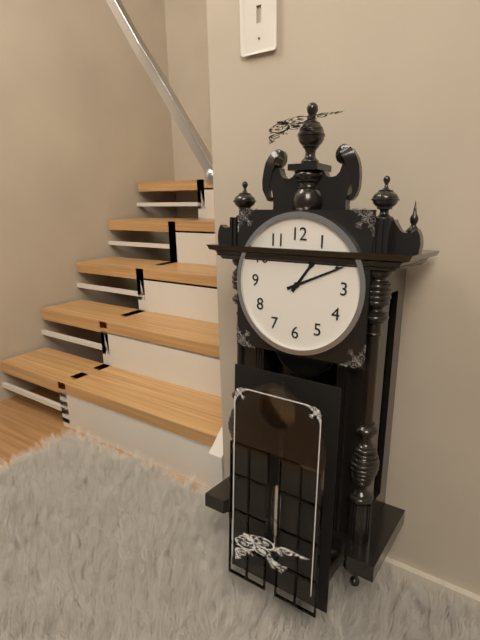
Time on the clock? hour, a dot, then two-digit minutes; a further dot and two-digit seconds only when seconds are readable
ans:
1.11
